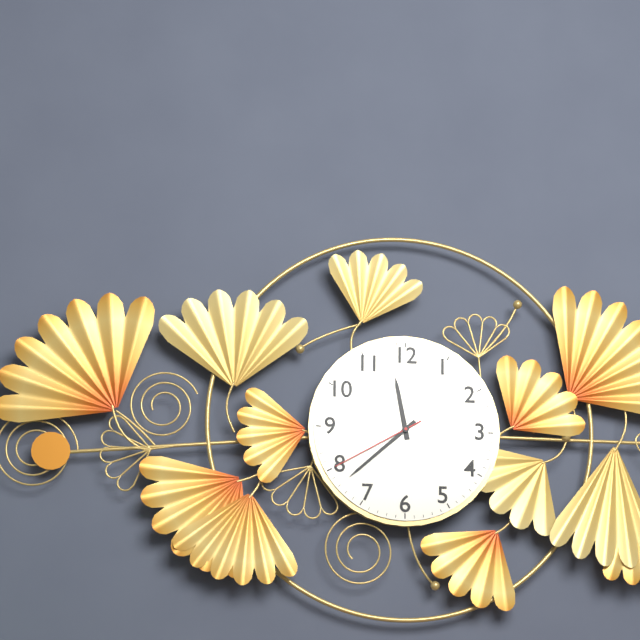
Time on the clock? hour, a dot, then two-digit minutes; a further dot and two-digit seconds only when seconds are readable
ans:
11.38.40
